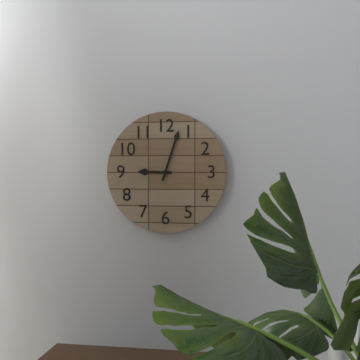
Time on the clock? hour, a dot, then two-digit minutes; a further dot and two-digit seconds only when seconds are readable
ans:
9.03
